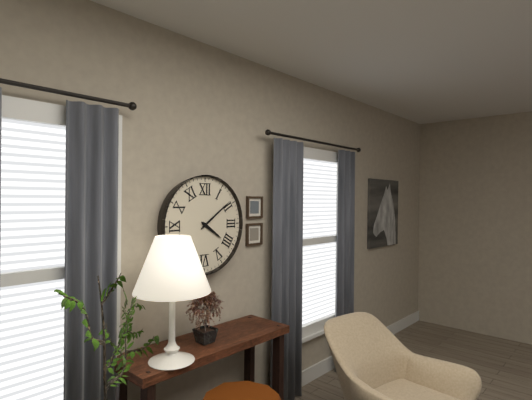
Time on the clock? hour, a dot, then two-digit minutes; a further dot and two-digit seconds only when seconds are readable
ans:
4.09
